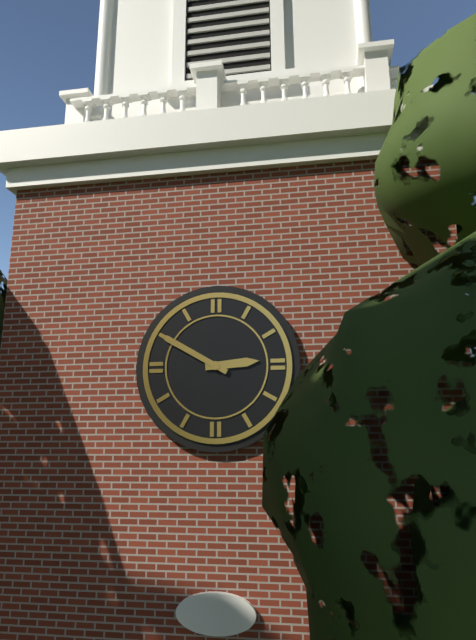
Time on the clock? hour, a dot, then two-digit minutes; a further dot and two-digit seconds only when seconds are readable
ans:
2.50
